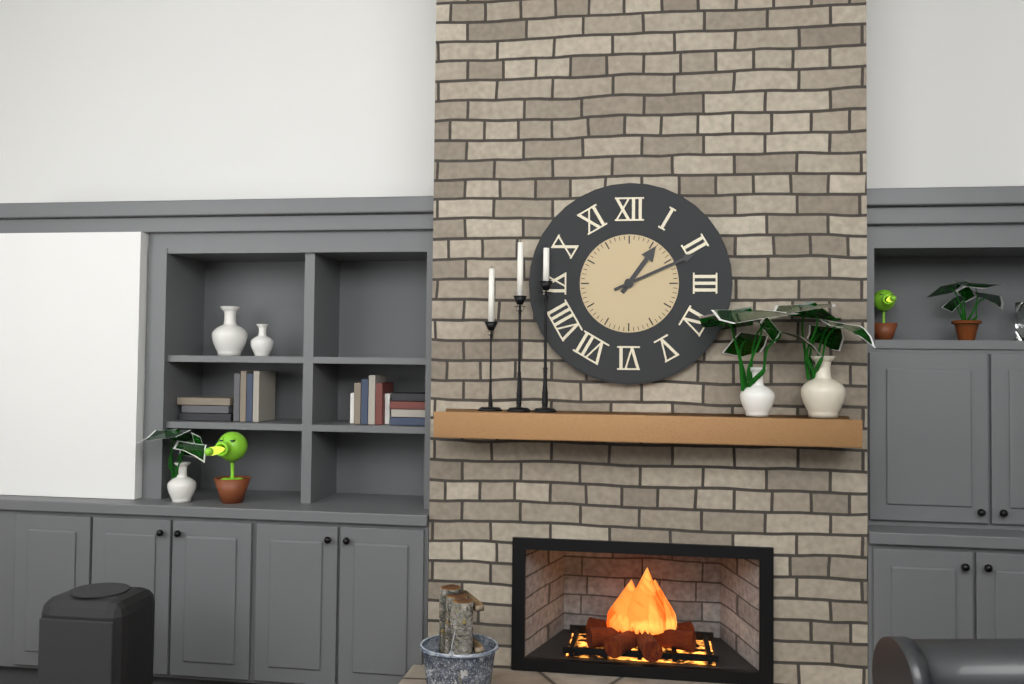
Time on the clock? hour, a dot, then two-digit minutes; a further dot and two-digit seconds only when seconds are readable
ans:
1.11
